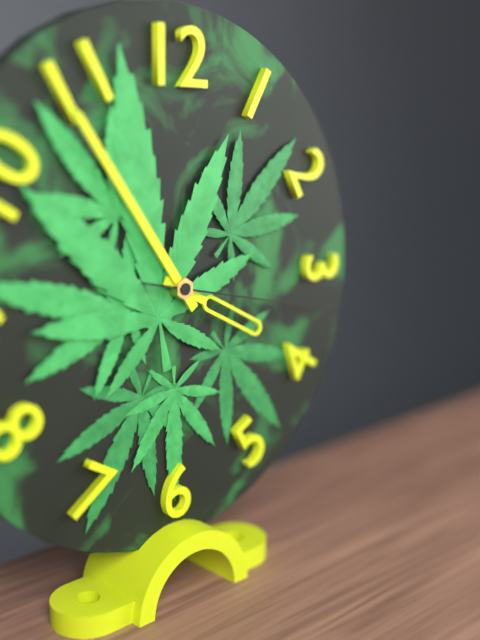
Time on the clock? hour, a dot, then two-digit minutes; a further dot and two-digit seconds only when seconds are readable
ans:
3.54.17
